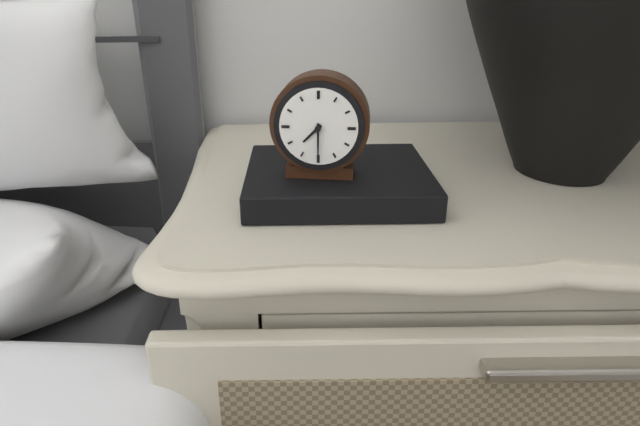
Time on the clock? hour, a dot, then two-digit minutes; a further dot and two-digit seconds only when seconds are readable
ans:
7.30
